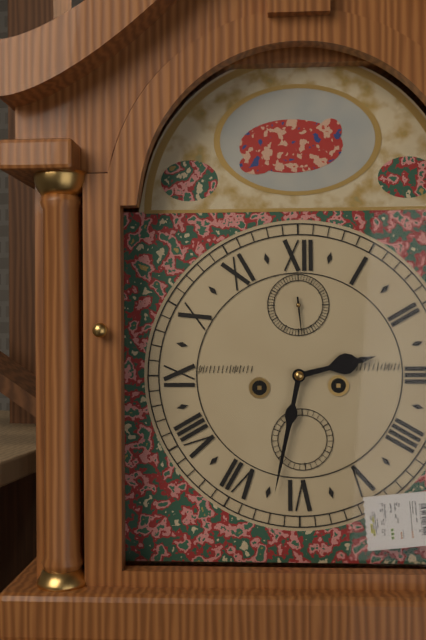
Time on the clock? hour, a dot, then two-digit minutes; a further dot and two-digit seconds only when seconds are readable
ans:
2.32
